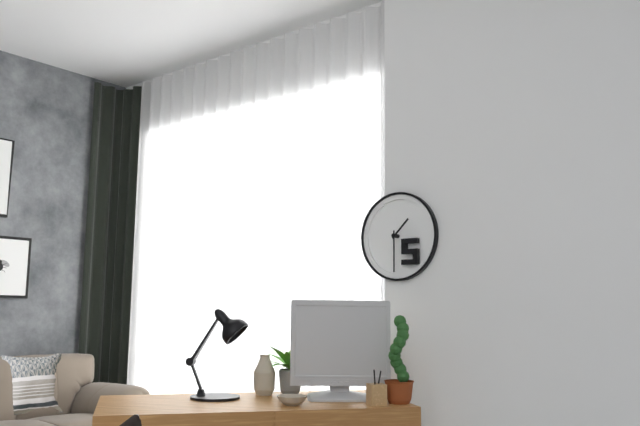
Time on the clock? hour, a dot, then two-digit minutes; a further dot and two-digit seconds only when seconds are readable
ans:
1.30
